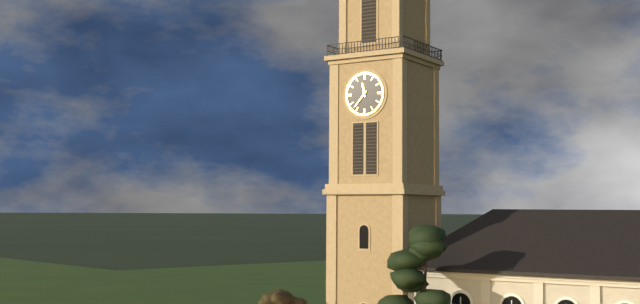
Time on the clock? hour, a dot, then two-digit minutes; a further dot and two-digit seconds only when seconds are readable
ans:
11.37
